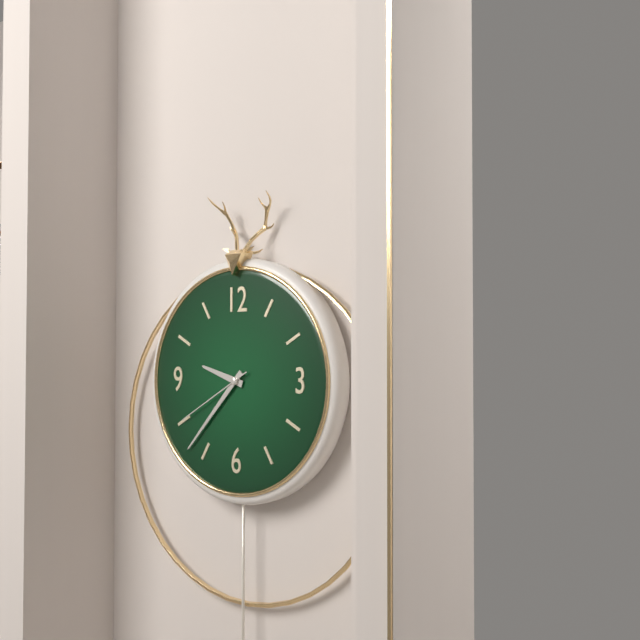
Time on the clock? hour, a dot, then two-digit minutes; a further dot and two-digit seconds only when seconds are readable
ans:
9.37.40
